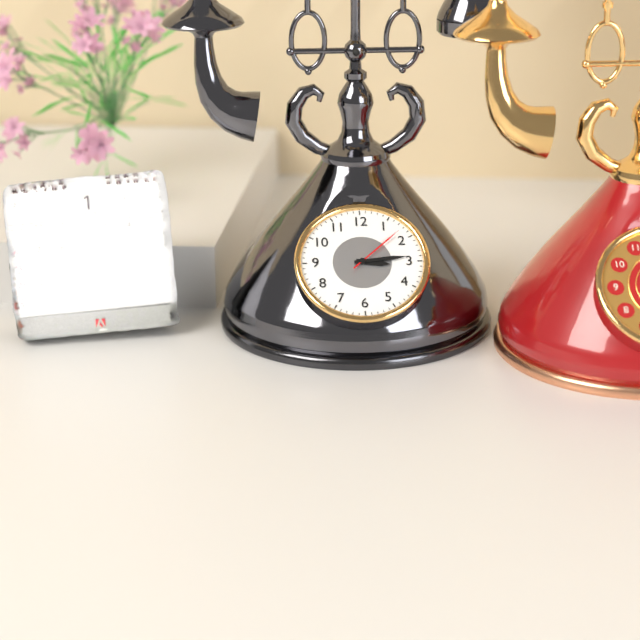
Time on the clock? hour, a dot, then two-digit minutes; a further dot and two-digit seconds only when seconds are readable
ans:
3.14.08
